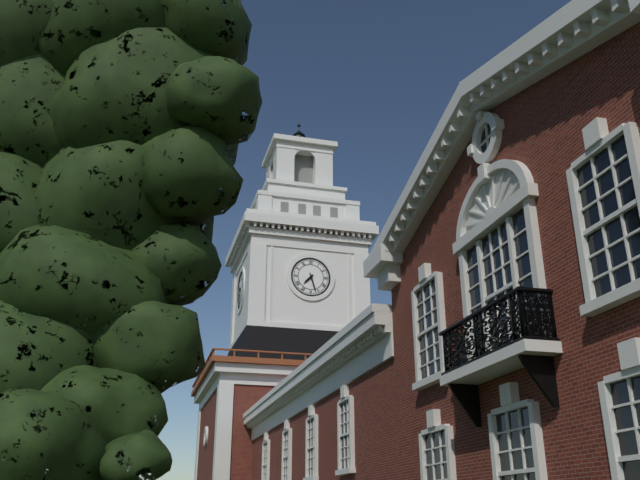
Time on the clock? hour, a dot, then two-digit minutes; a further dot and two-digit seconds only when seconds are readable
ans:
7.27
